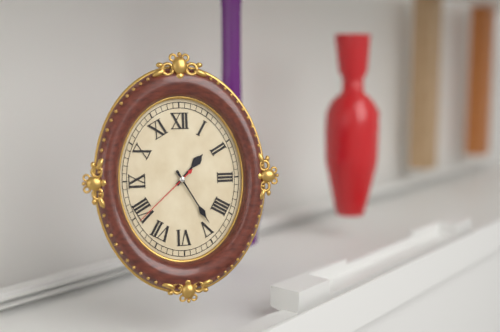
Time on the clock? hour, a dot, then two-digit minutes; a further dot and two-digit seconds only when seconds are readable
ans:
1.25.38
